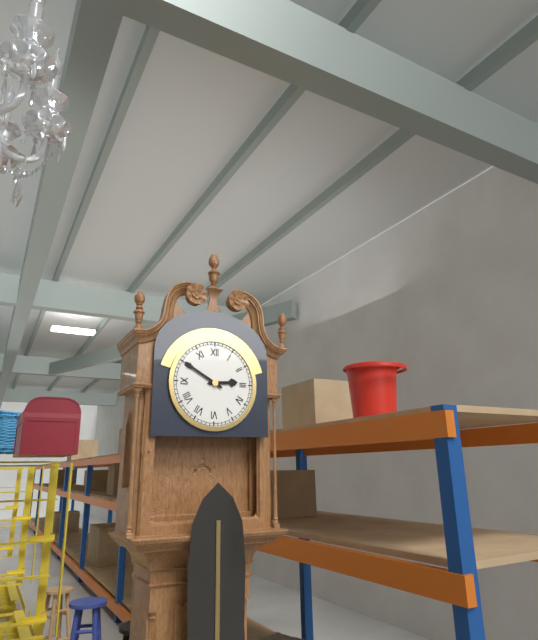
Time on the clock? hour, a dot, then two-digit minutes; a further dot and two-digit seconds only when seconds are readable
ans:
2.50
